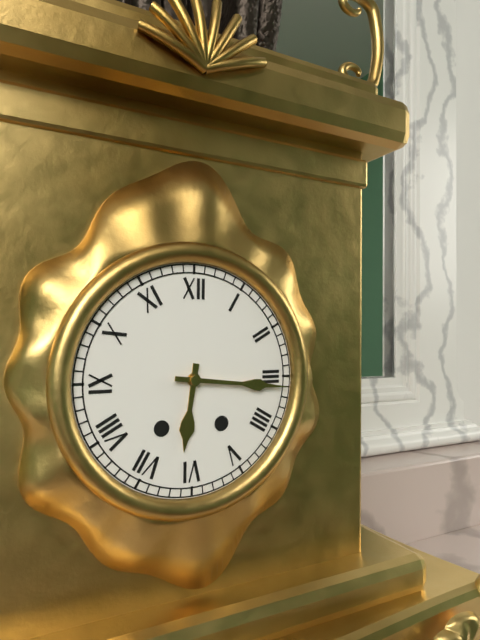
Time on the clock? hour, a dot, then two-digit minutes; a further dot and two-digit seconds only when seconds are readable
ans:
6.16
